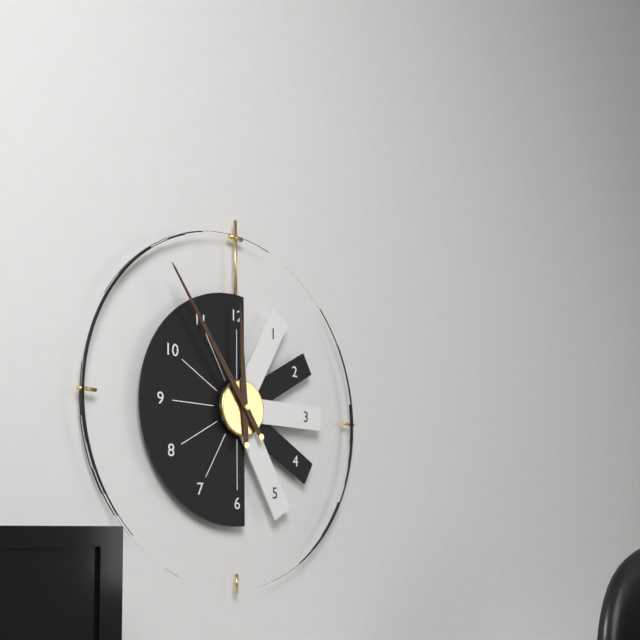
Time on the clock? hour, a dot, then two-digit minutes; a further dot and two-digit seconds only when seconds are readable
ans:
11.54
